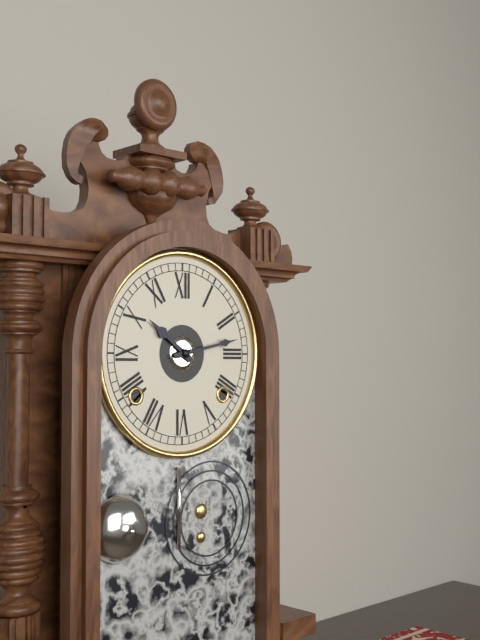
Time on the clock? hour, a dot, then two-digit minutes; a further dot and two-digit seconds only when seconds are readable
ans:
10.13
